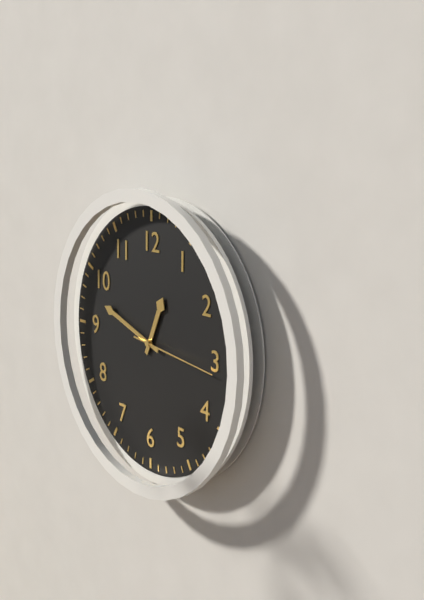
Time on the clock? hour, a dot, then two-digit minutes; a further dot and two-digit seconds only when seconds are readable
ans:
12.48.16
